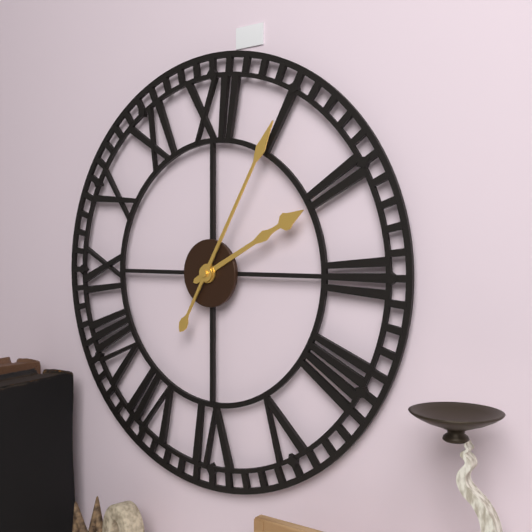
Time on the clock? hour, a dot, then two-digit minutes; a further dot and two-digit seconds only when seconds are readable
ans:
2.05
